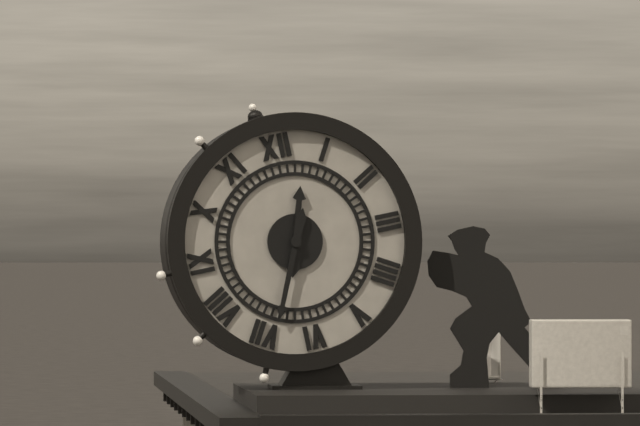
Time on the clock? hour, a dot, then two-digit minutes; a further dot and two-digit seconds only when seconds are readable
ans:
12.34
